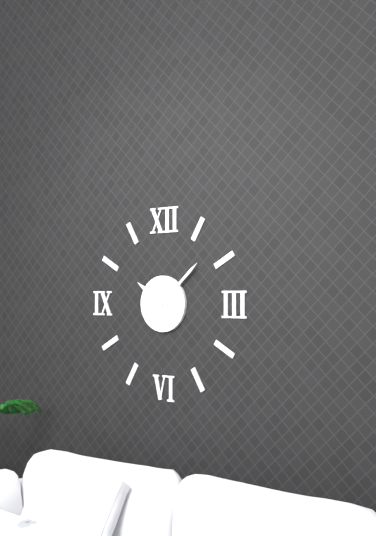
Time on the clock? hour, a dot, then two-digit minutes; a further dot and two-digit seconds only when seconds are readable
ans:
10.08
